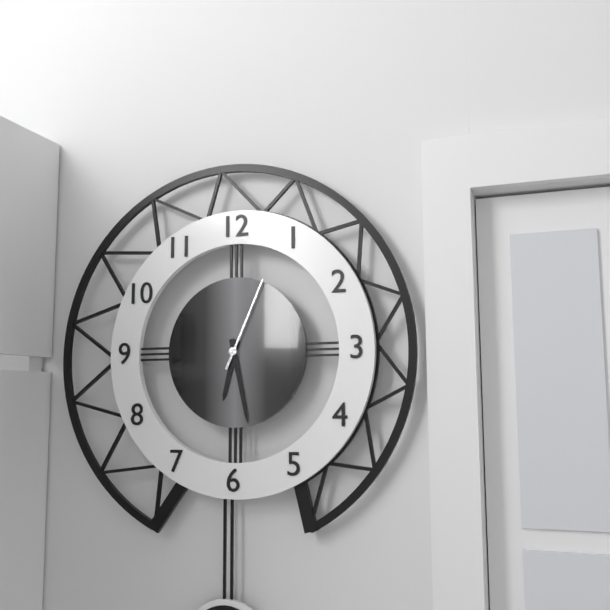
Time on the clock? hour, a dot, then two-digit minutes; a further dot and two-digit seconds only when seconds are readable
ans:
6.28.04
